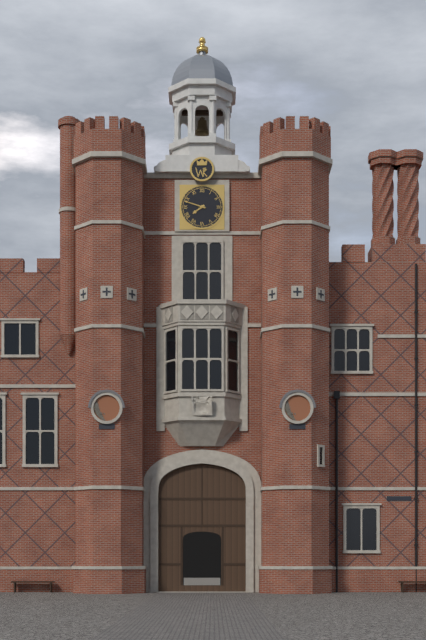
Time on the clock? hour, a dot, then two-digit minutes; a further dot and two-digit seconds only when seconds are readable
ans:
7.48
